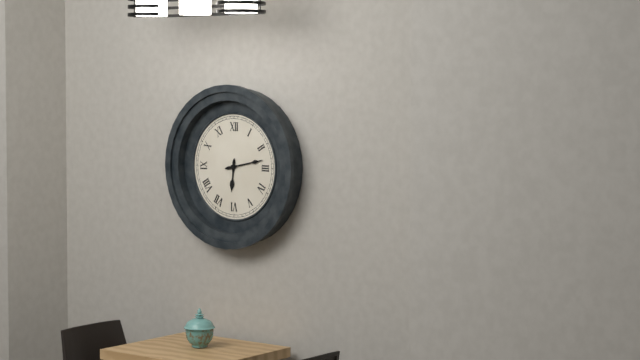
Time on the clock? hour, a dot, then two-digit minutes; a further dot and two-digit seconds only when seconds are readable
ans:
6.13
